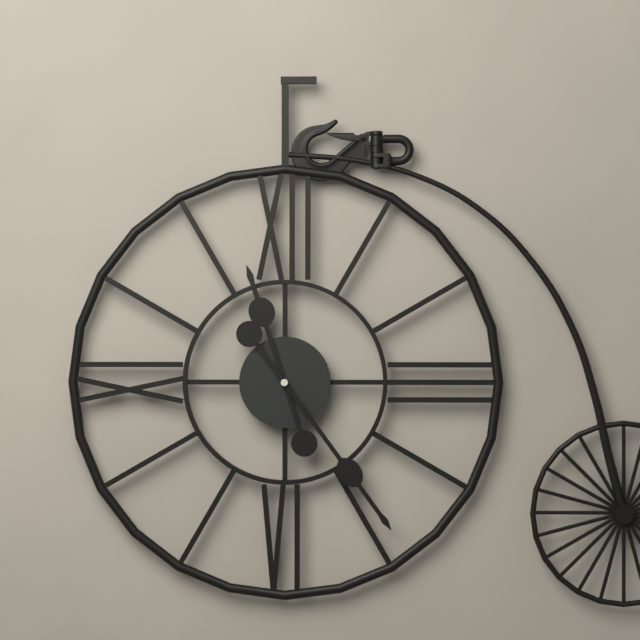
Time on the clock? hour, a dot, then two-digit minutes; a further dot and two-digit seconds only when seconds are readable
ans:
11.24
